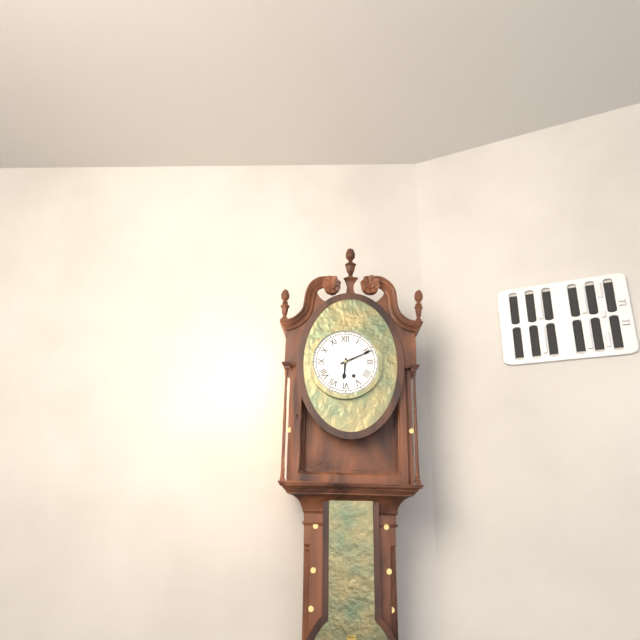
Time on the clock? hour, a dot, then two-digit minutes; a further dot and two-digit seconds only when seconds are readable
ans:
6.11
